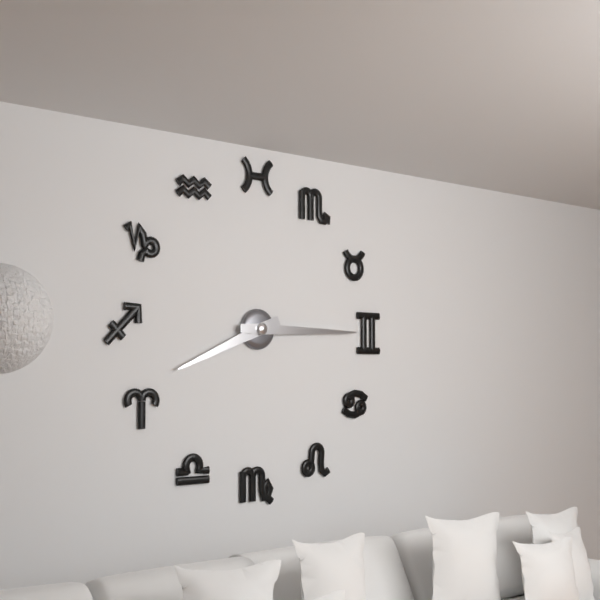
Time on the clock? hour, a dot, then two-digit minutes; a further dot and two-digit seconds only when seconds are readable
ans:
8.15
